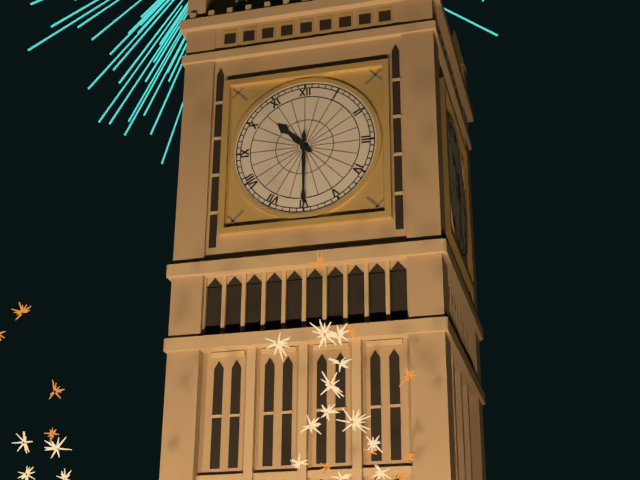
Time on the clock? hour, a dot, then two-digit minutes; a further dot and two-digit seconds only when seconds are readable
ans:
10.30
